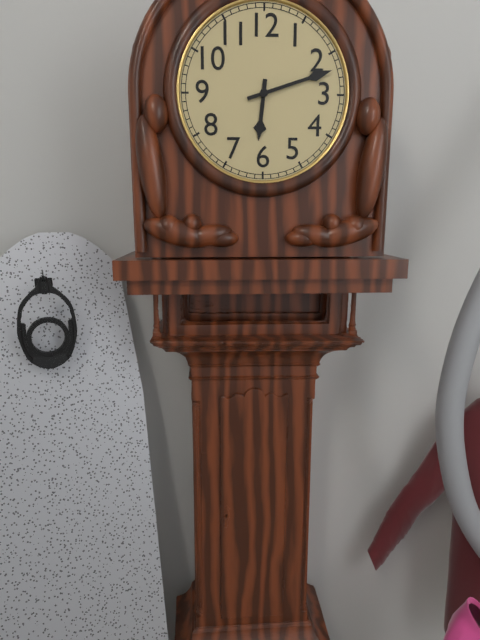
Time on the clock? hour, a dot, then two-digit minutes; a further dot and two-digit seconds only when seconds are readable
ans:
6.12
